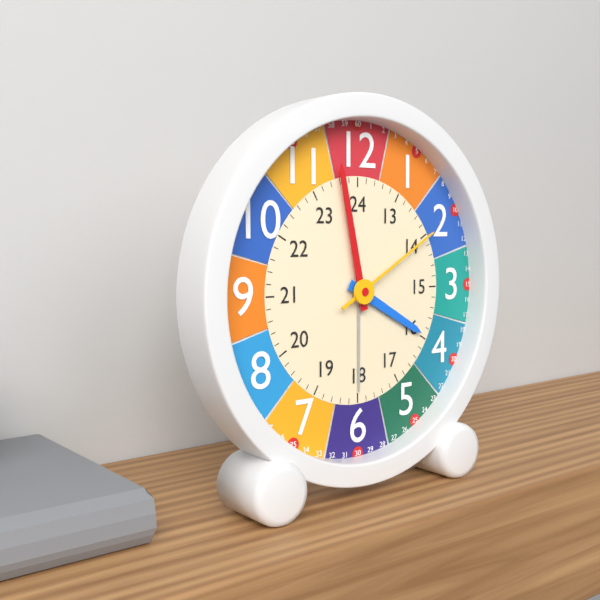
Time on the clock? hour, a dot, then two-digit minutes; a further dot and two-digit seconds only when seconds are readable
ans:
3.58.10
